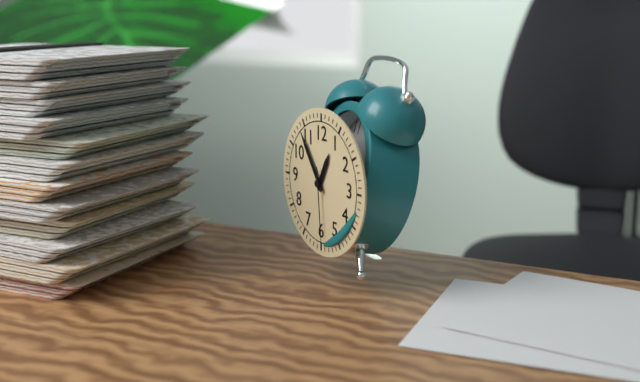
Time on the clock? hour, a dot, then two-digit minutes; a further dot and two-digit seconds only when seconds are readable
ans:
12.54.29
